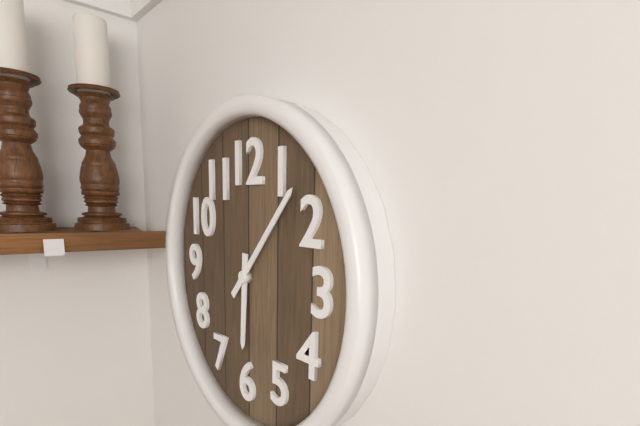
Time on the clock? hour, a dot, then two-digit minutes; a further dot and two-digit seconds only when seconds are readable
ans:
6.07
